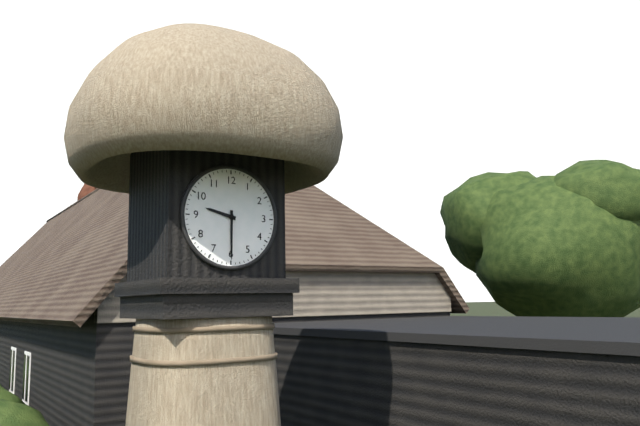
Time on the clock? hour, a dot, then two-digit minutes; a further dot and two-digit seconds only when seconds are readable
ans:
9.30
